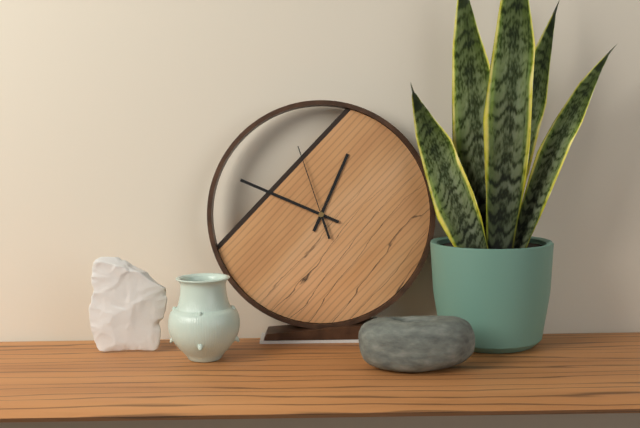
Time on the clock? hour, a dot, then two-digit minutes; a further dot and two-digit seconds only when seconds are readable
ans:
12.49.57
